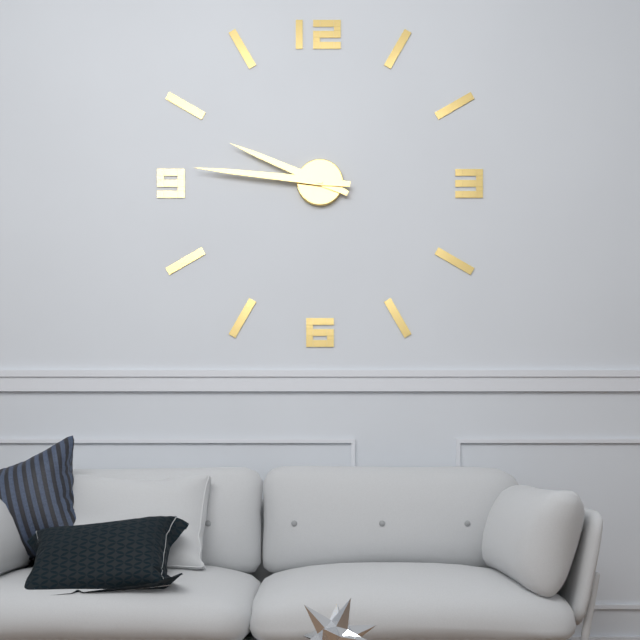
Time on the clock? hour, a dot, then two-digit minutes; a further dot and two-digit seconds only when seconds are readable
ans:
9.46
